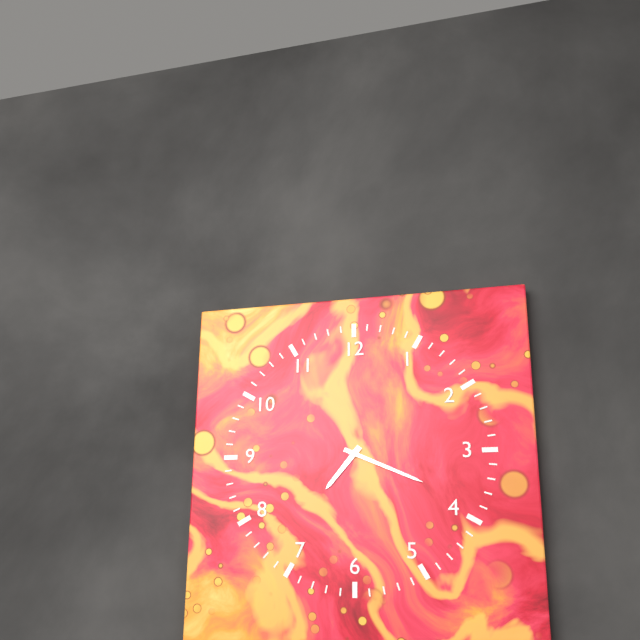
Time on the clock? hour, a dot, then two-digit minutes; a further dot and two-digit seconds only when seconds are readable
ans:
7.19
